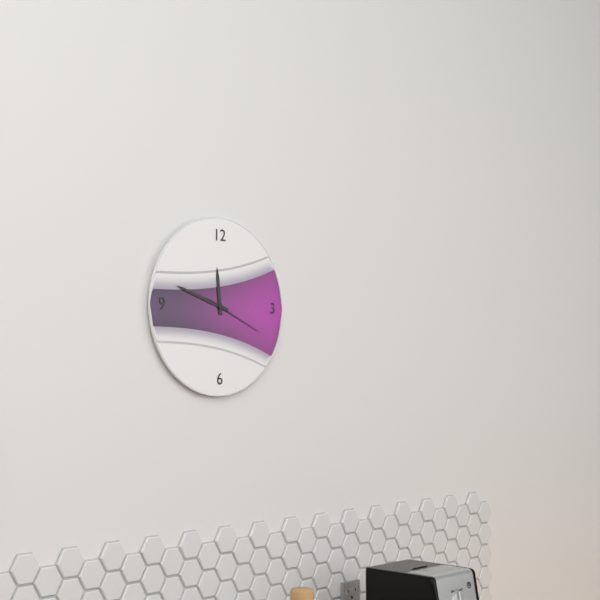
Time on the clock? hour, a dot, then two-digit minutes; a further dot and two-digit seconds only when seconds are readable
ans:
11.48.19
